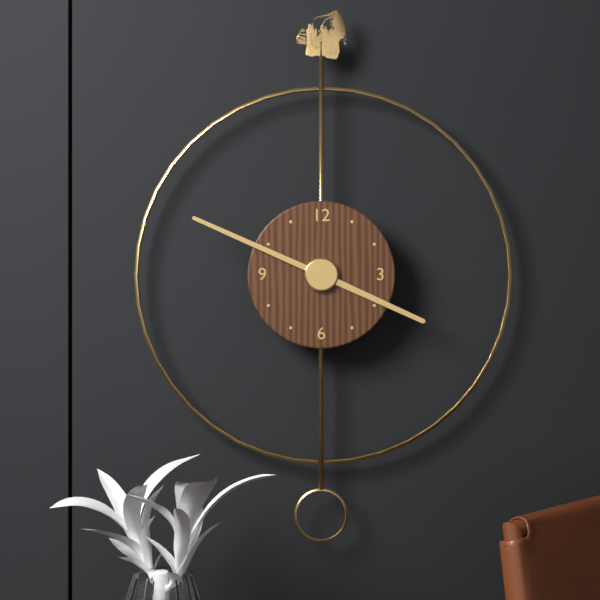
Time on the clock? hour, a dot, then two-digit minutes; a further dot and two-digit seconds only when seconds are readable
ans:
3.49
